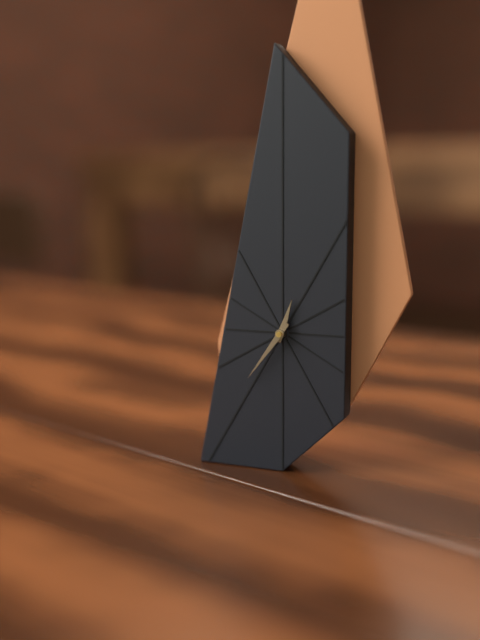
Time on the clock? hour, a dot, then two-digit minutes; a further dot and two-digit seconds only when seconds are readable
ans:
12.36
